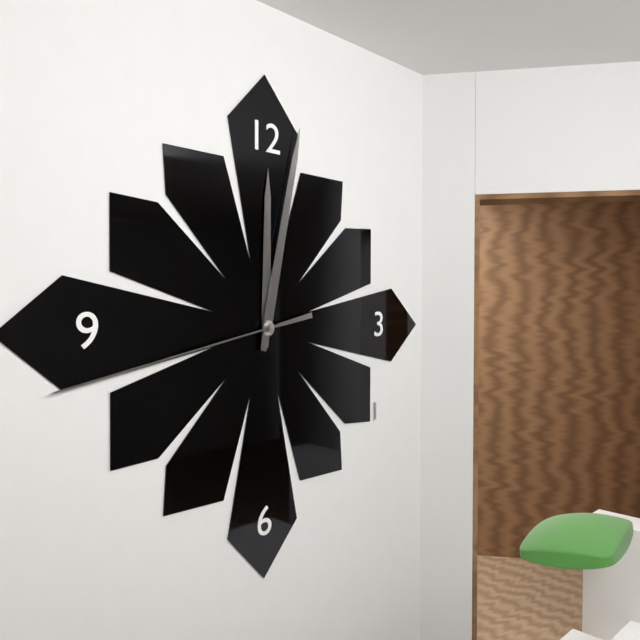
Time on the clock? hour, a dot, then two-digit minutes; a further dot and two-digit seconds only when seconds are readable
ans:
12.02.43
